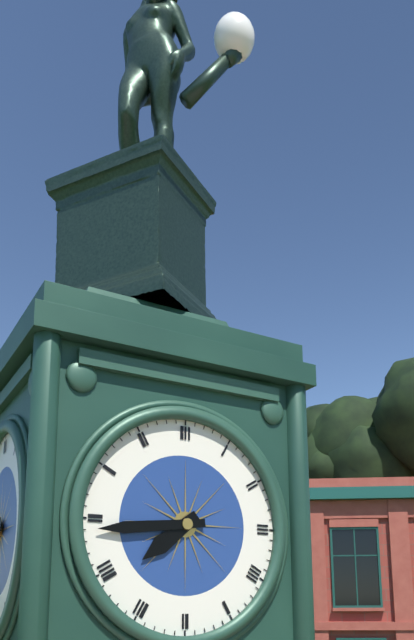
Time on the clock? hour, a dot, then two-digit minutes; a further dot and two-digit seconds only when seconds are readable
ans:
7.44
